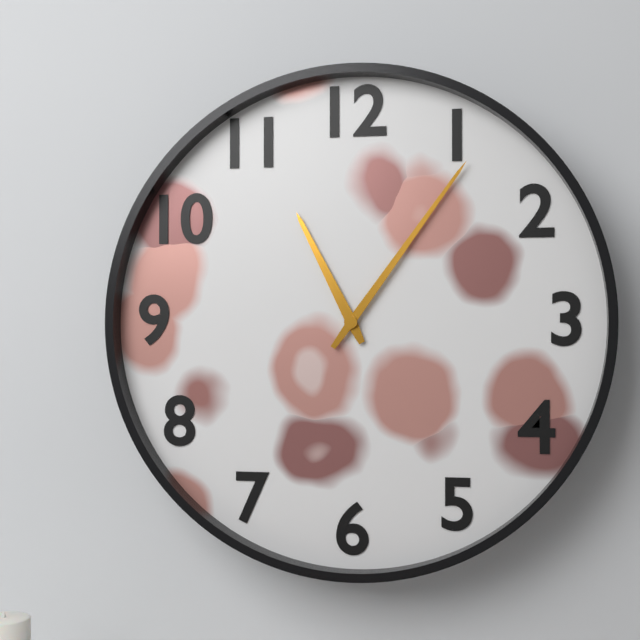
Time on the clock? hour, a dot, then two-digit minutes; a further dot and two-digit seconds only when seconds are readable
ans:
11.06
